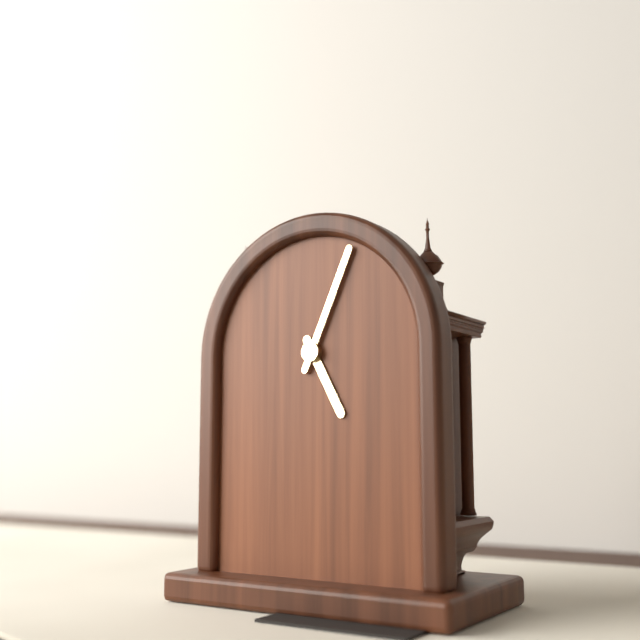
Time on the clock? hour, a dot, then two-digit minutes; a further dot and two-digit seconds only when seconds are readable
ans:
5.04
